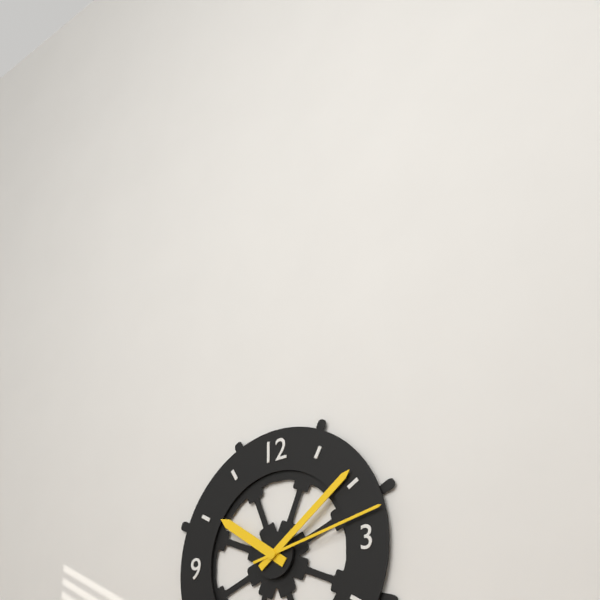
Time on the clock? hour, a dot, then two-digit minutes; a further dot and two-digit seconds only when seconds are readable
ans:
10.09.13
